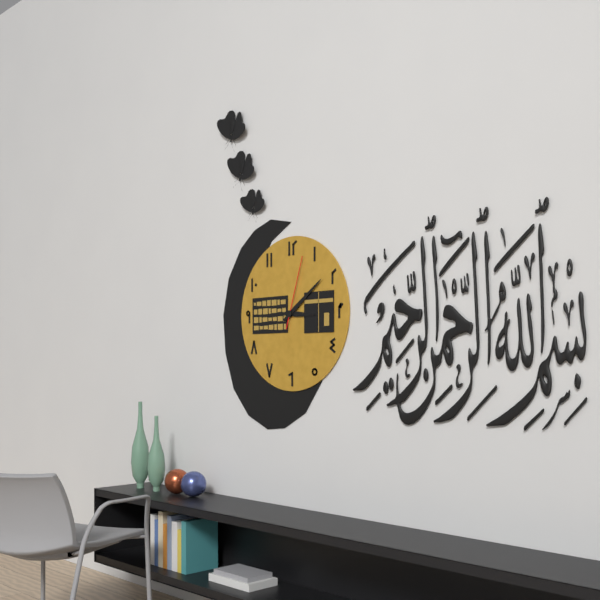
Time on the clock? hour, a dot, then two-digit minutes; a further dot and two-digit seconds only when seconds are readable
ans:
3.09.03
